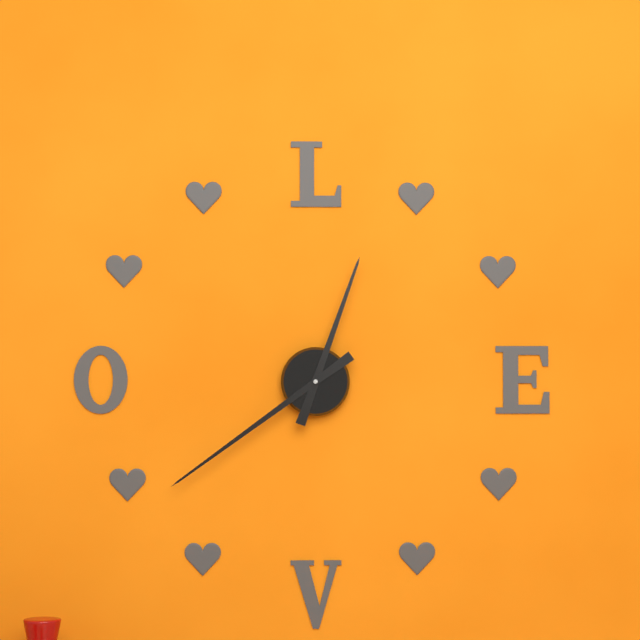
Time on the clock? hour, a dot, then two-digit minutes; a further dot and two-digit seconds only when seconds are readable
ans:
12.39
